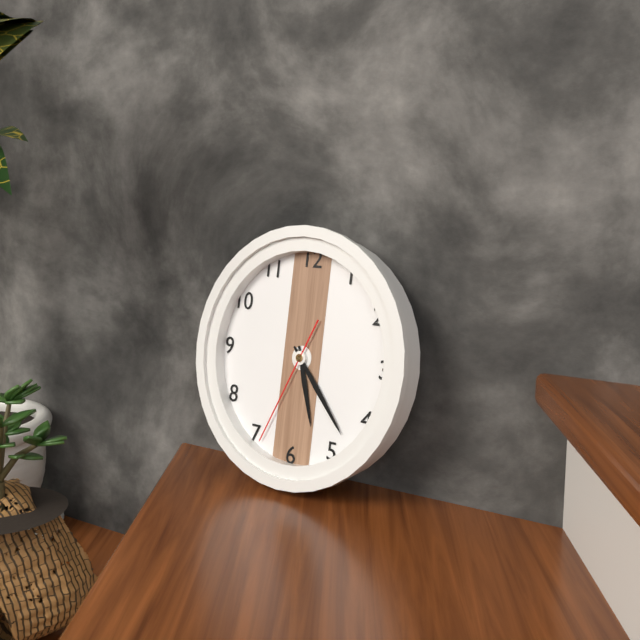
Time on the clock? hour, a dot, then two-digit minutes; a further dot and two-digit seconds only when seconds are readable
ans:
5.23.34
